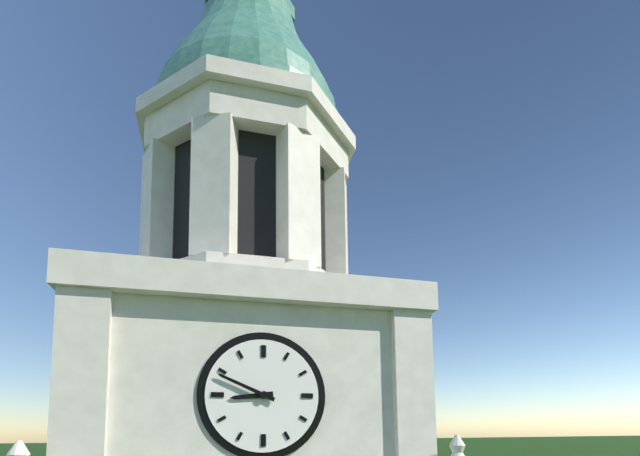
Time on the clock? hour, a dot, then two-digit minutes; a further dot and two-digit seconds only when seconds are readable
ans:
8.49
